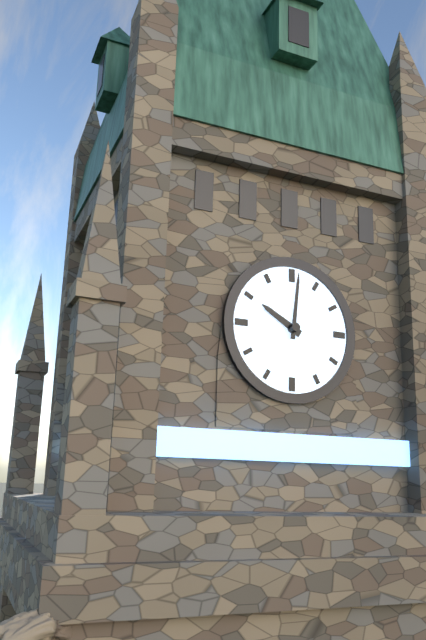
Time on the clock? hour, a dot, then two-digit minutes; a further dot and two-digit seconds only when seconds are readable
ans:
10.01
